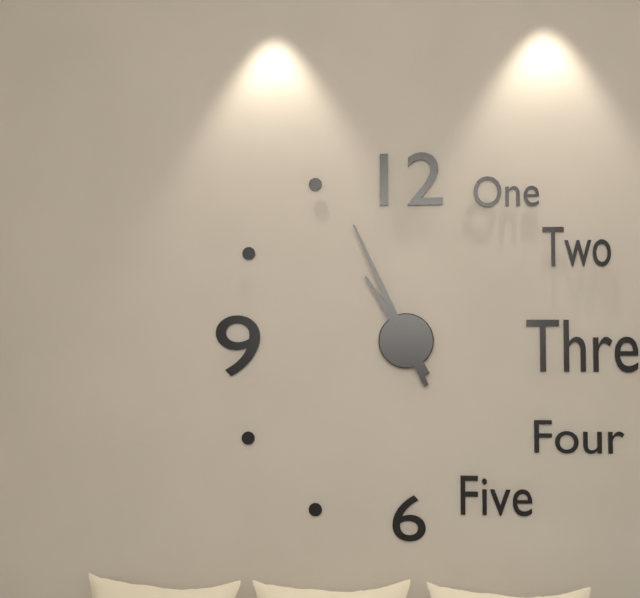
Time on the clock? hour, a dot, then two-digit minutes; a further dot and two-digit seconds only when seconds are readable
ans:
10.56
